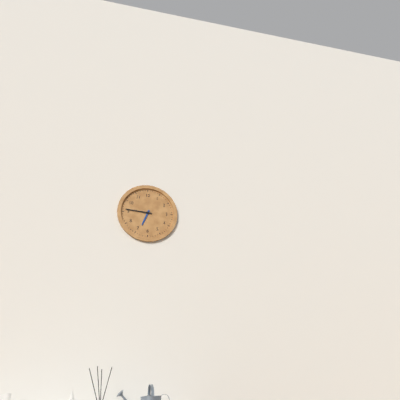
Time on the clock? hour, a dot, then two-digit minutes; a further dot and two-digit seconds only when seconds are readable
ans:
6.46
